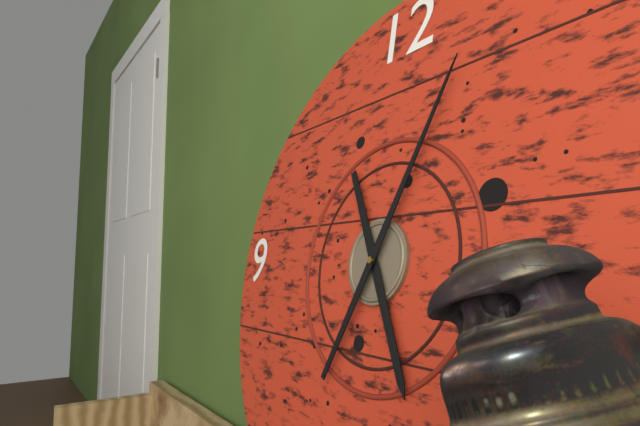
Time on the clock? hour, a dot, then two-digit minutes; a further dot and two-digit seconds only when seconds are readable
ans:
5.04
